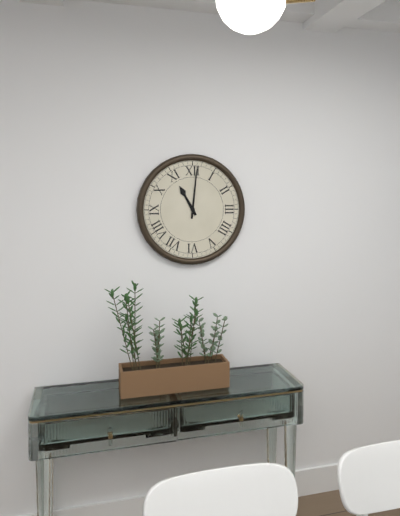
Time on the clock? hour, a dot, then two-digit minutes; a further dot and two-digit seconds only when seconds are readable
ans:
11.01
